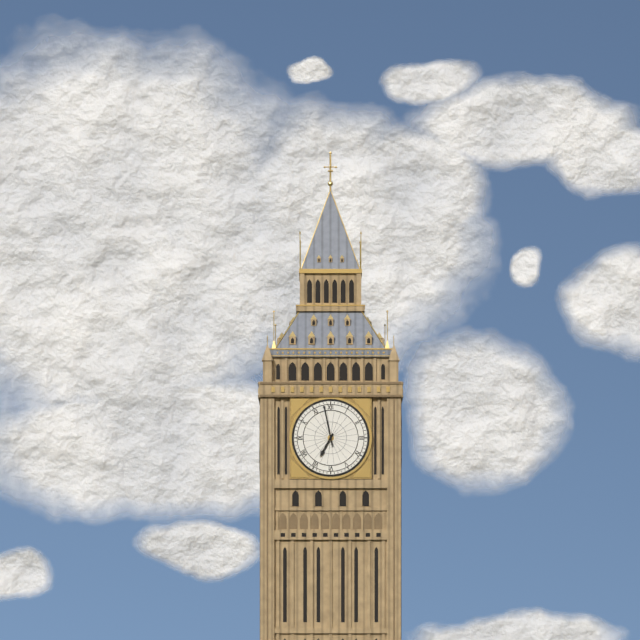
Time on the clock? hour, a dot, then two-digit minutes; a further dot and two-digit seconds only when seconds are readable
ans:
6.58
